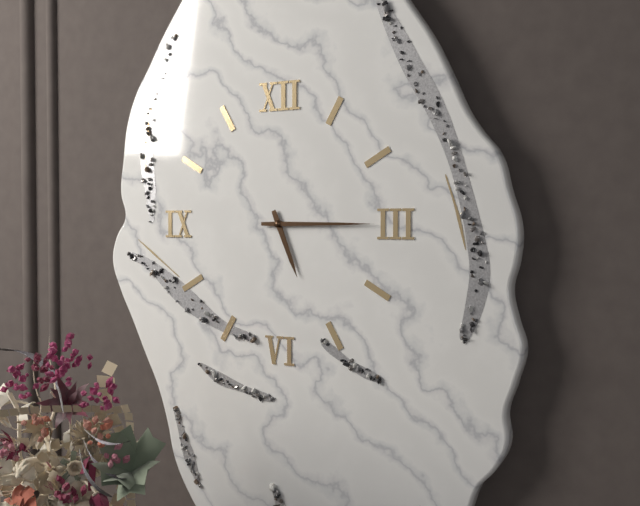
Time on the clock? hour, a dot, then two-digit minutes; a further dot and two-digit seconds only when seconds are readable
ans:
5.15
